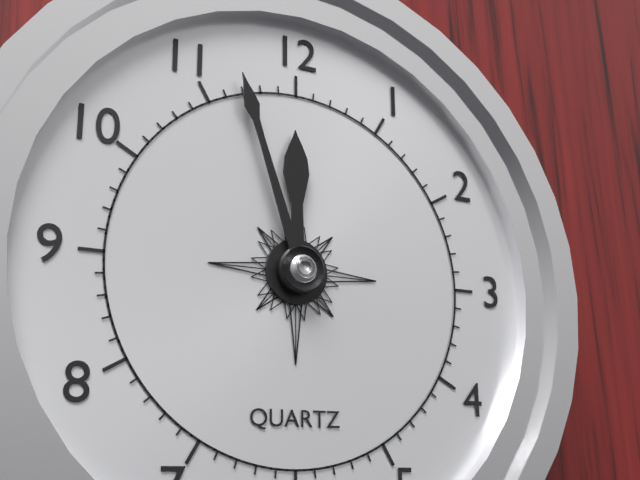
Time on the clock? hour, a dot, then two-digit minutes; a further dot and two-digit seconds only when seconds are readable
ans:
11.57
